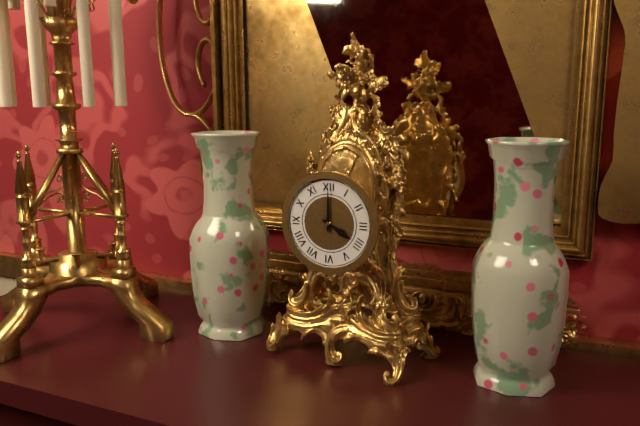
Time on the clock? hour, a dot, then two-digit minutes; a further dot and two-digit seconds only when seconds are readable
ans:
4.00
